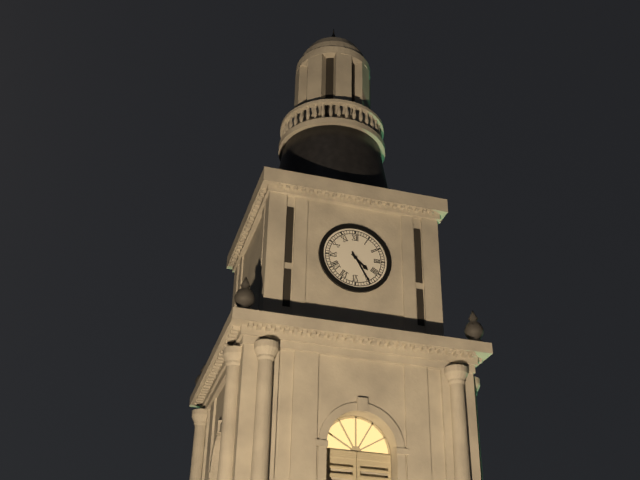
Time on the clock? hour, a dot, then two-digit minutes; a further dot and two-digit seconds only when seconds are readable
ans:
4.25
